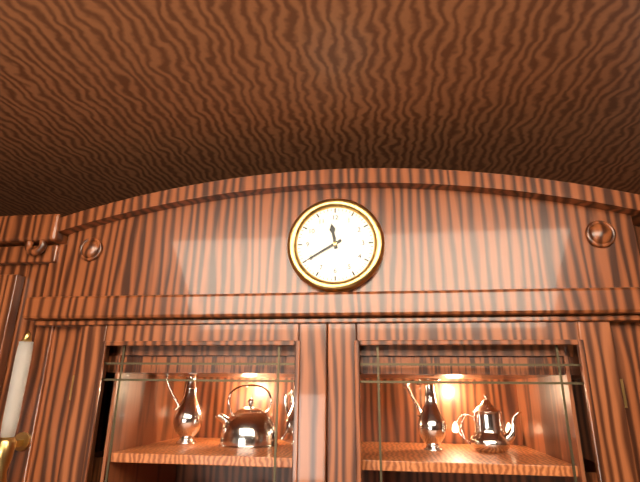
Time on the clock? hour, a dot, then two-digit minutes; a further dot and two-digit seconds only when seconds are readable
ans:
11.40
